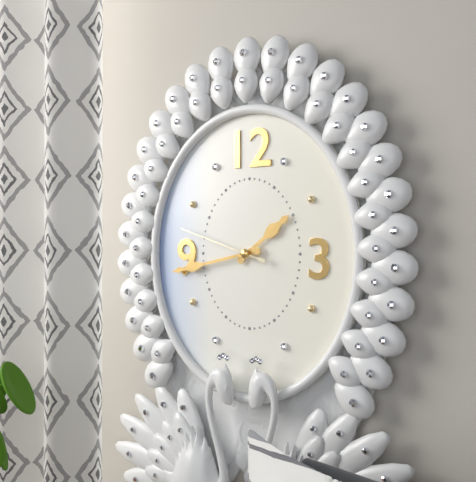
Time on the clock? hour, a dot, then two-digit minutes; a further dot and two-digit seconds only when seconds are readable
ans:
1.43.48
